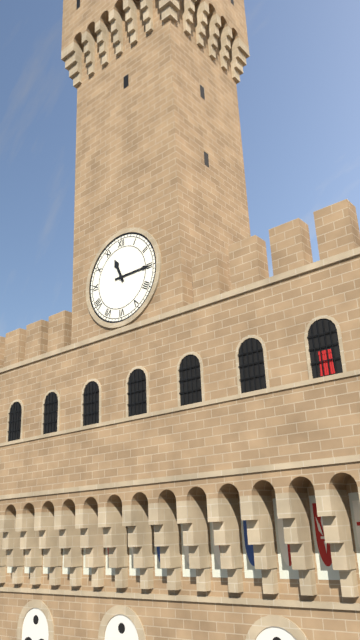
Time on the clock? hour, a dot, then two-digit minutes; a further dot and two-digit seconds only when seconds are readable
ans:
11.15
